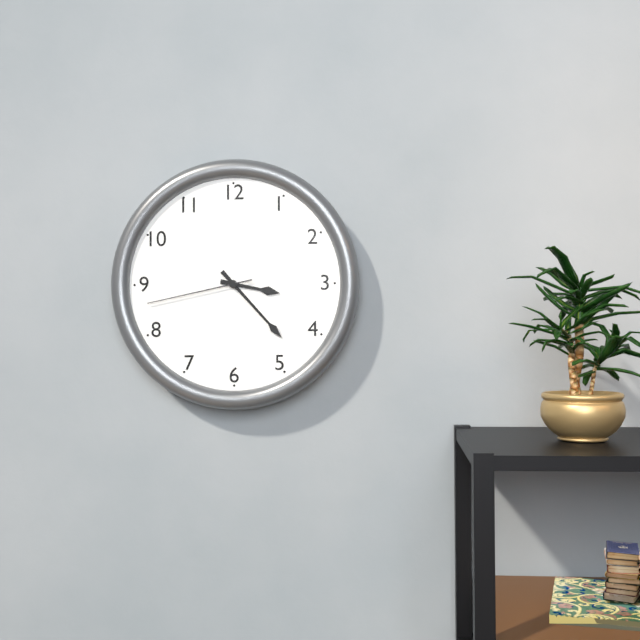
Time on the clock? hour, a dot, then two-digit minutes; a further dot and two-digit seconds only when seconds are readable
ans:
3.23.43
